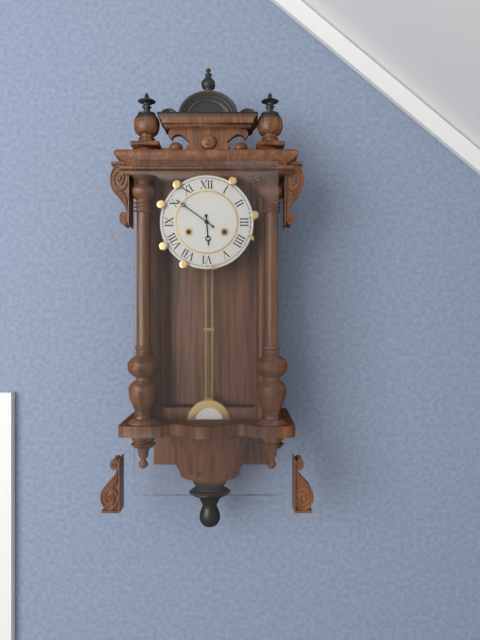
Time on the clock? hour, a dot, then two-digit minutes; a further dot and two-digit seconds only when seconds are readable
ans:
5.51
